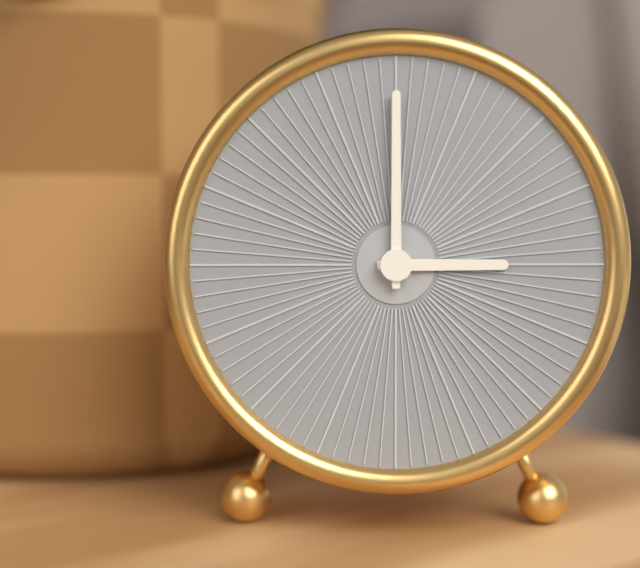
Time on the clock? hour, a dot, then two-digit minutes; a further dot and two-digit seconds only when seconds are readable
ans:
3.00
